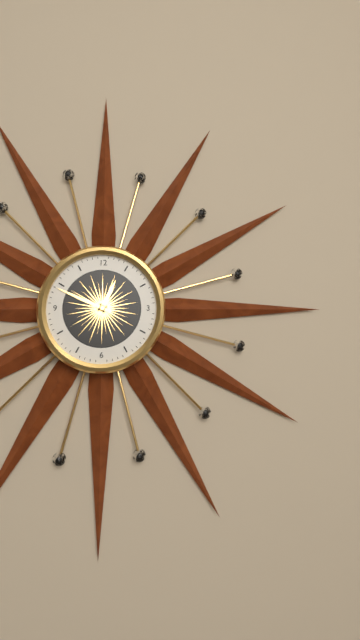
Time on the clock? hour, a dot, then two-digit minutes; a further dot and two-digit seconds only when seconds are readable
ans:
12.49
